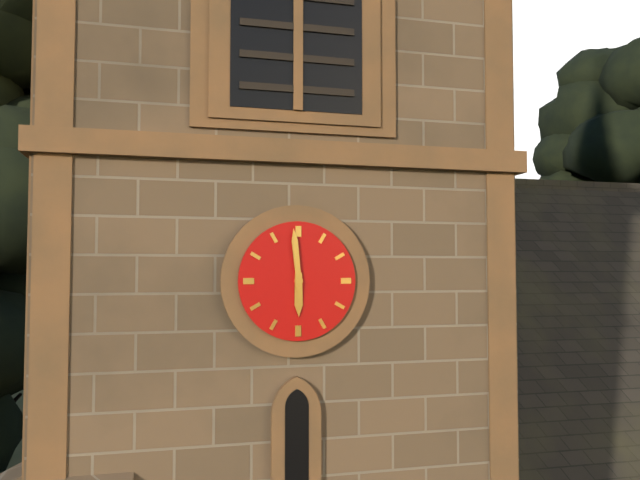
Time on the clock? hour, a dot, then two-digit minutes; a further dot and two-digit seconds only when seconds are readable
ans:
5.59
